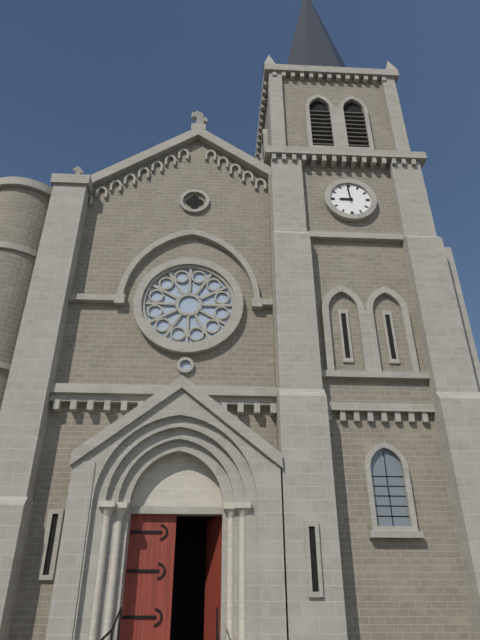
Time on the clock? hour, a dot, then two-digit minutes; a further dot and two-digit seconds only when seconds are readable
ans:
8.59
